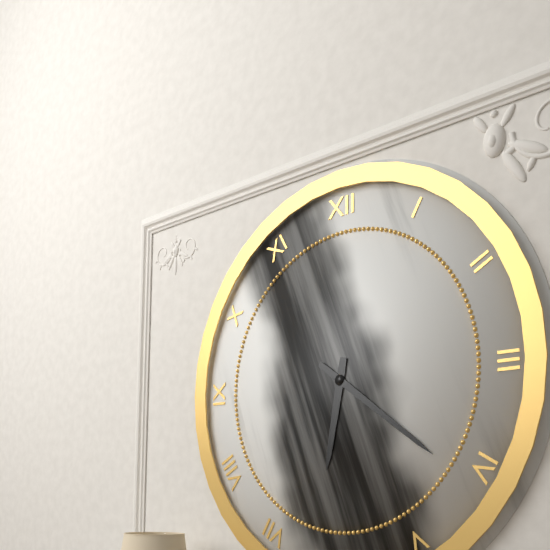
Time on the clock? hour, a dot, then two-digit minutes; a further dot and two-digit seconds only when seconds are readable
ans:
6.21
